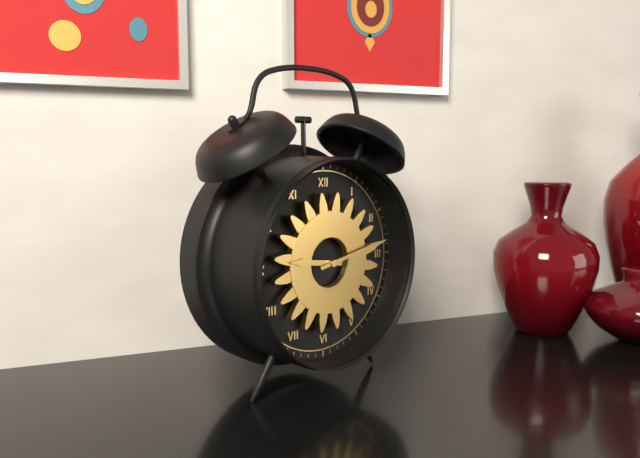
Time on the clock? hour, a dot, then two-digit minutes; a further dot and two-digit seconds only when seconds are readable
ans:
9.13
